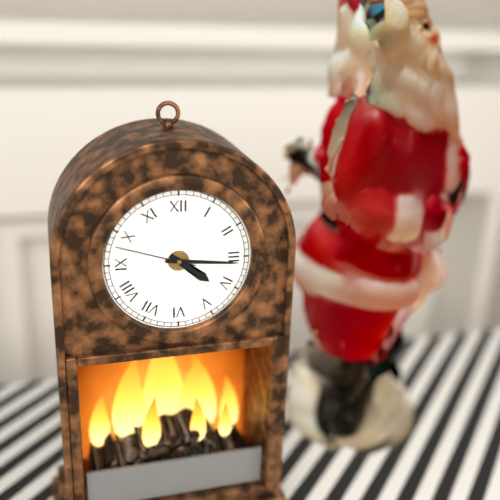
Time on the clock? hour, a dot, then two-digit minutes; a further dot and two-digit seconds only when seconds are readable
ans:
4.16.48
